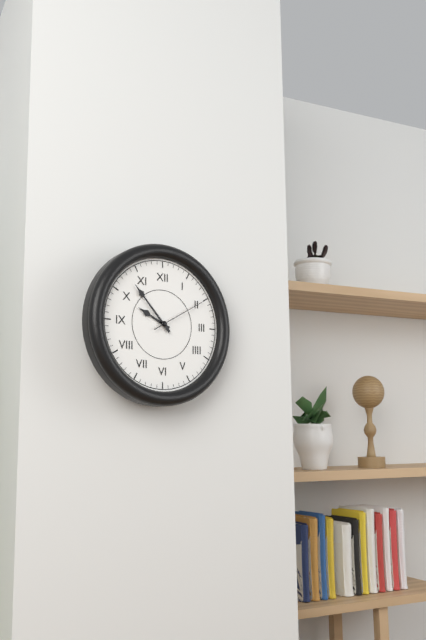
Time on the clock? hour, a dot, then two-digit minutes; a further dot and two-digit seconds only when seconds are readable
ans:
9.53.10
